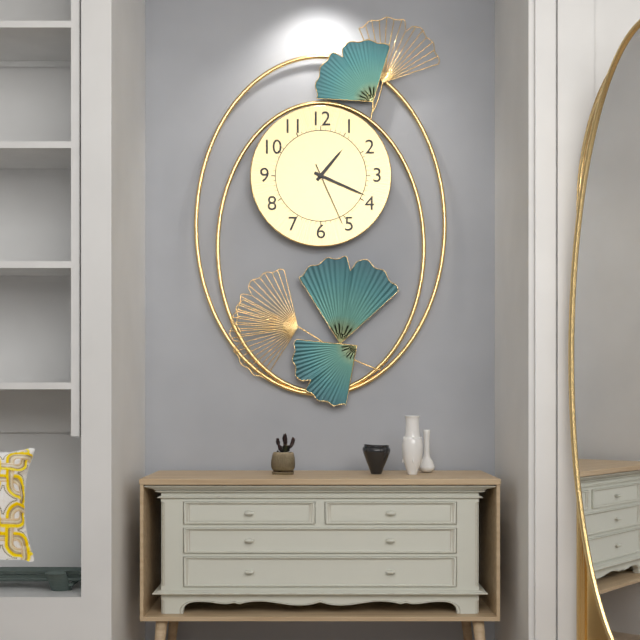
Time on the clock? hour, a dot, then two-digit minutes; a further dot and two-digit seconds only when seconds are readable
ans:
1.19.26
